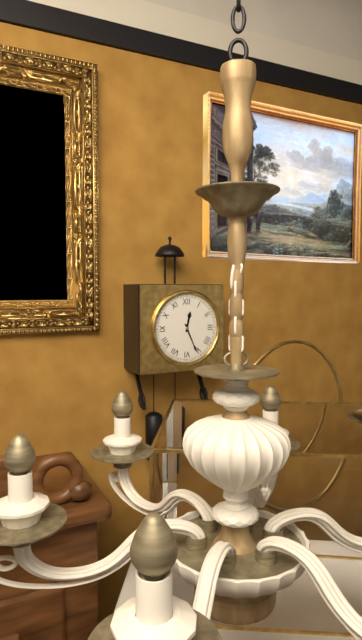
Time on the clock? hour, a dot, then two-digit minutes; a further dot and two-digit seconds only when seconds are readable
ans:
12.26
